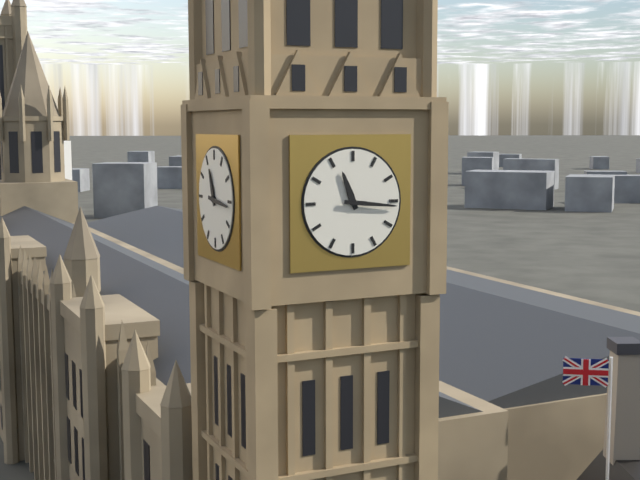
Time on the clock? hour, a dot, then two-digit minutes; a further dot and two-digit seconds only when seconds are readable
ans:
11.16
